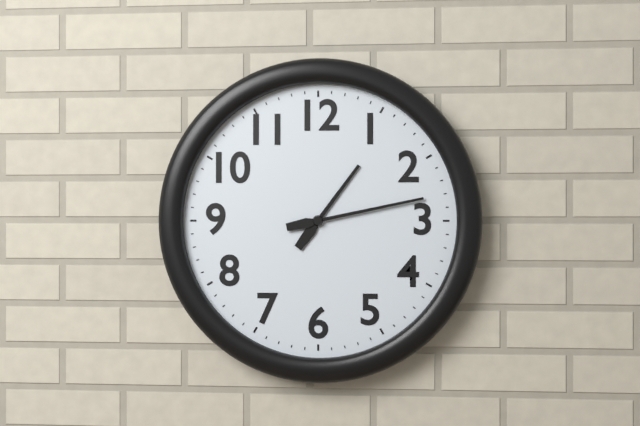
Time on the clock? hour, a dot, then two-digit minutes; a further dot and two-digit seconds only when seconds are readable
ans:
1.13
